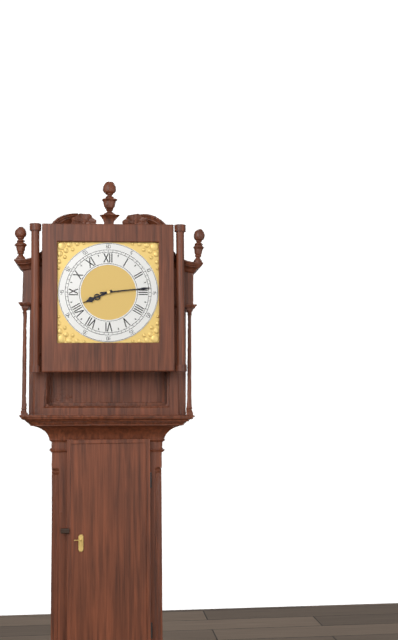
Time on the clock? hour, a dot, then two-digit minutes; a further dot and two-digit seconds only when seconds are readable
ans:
8.14
